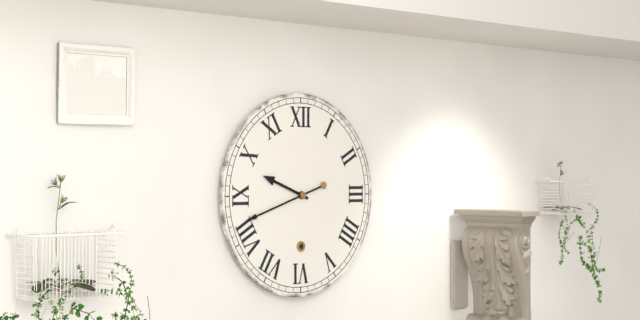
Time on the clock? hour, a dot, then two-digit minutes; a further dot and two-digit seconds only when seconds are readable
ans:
9.42
